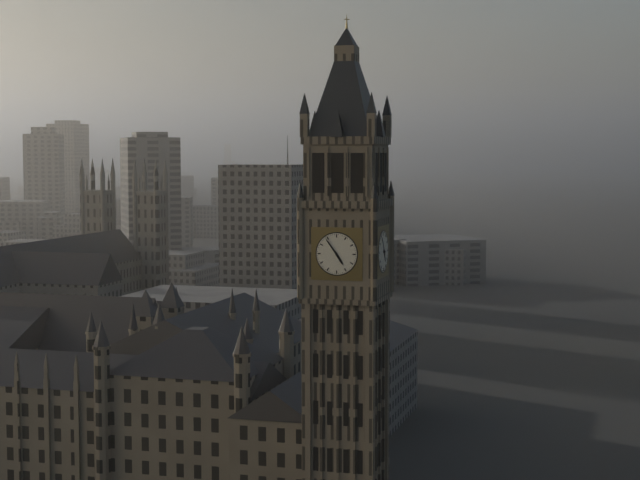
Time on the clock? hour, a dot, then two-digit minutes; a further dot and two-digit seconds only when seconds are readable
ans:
4.54
